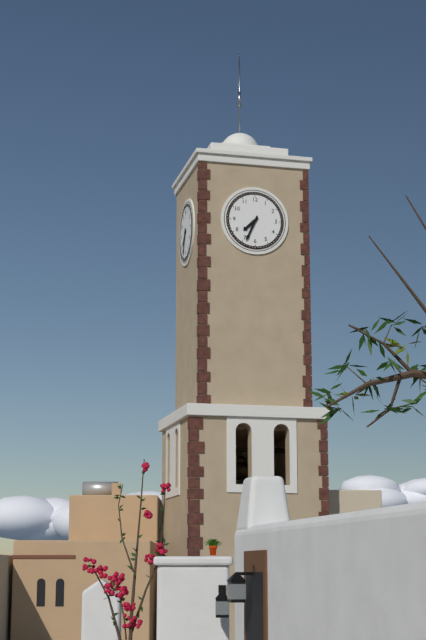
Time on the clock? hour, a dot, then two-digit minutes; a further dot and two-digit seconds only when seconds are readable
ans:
7.34
